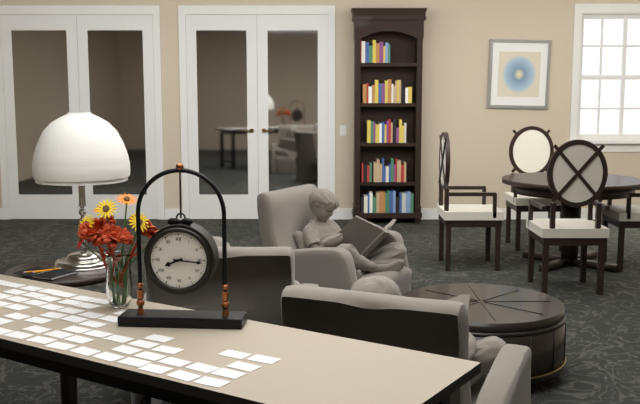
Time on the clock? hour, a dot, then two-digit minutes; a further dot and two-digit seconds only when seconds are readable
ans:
8.16
